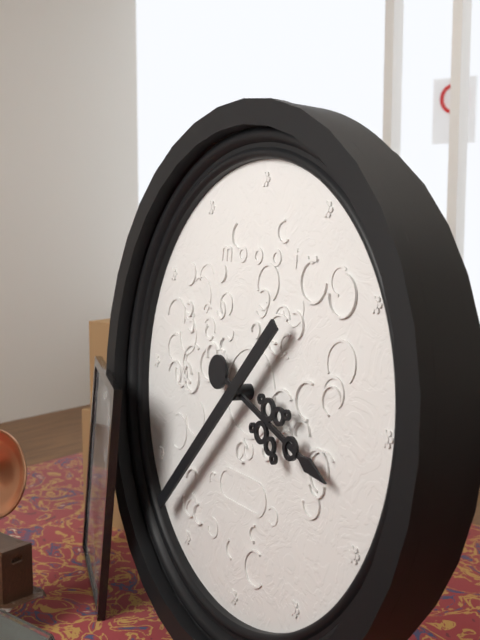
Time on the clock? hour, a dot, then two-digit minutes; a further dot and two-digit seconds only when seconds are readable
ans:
3.37
